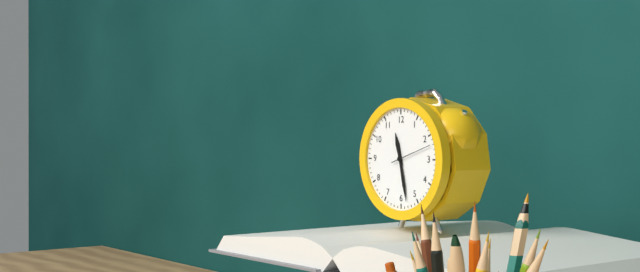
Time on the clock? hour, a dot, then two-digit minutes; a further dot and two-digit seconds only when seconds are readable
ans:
11.28
